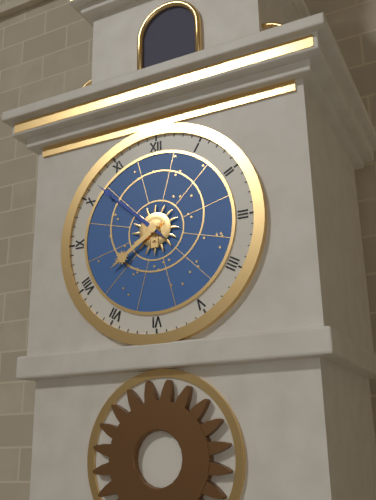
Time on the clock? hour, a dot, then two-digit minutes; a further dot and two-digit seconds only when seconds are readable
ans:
7.52
